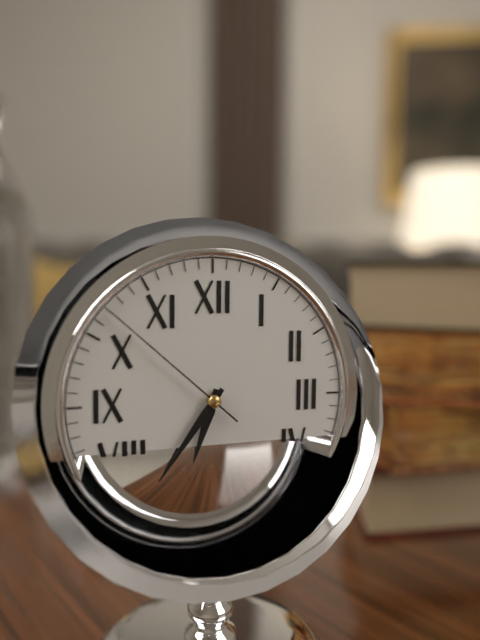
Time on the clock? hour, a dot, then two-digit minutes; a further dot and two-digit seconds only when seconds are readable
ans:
6.36.52
